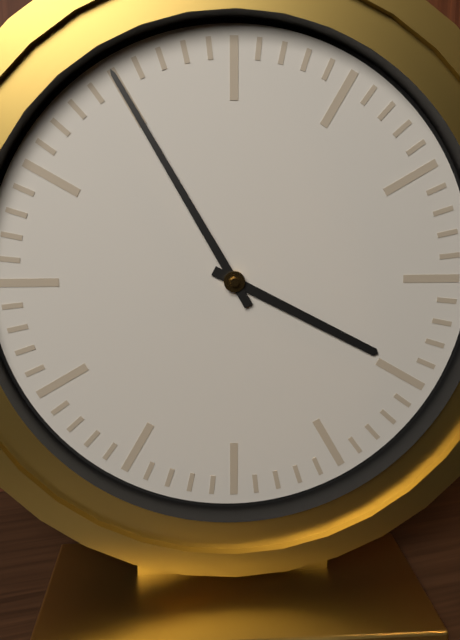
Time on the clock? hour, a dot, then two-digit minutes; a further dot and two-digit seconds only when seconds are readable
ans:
3.55
